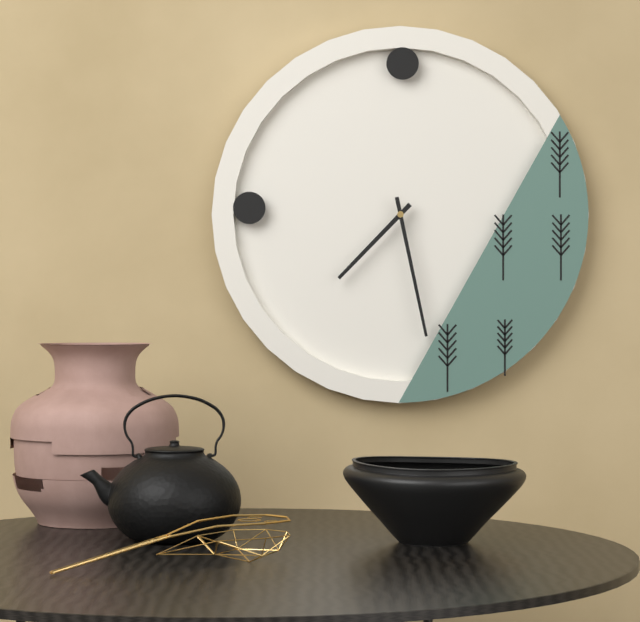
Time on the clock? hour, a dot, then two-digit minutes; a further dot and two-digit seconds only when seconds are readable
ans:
7.28
